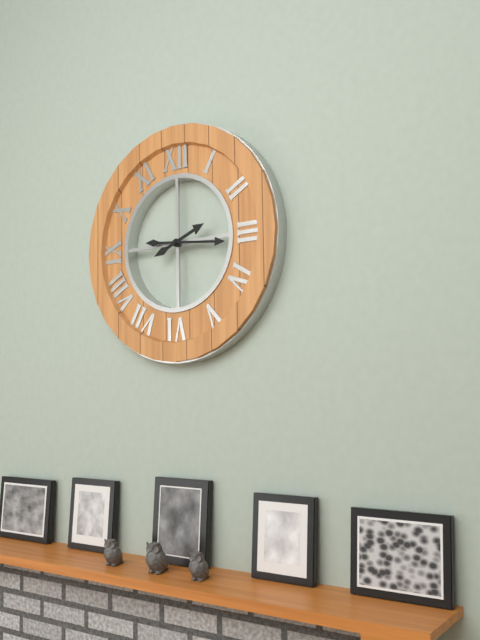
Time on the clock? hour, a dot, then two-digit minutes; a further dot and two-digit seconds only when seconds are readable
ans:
2.16
